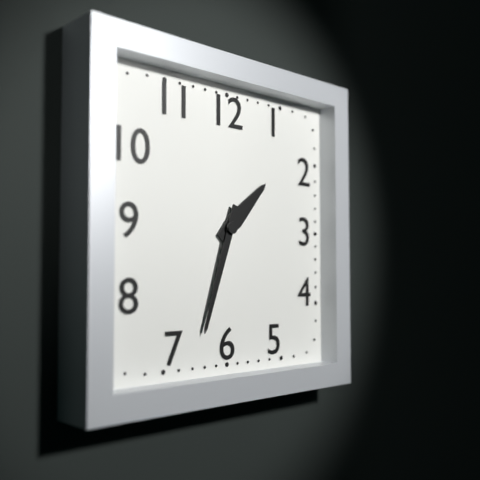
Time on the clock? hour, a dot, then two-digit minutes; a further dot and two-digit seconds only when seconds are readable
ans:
1.33
